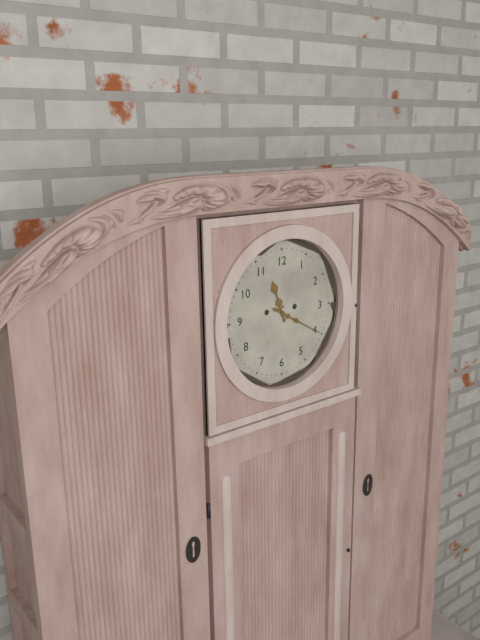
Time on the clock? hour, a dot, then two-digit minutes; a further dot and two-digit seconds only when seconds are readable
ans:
11.20
